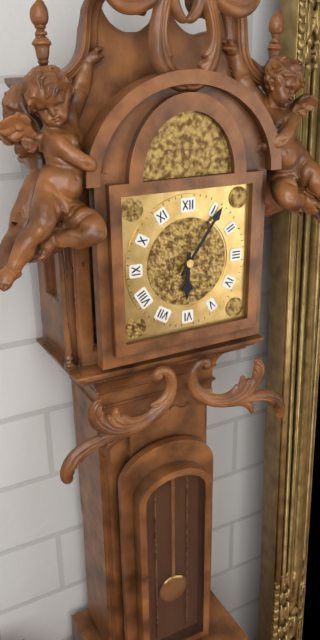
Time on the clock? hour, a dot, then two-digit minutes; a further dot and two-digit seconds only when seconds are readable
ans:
6.06
